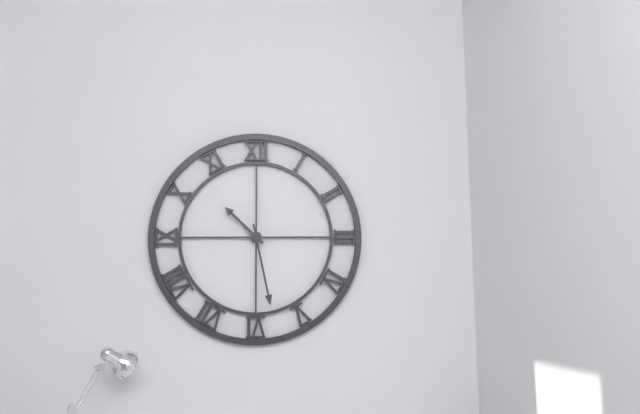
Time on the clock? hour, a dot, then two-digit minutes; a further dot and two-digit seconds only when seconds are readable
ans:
10.28
